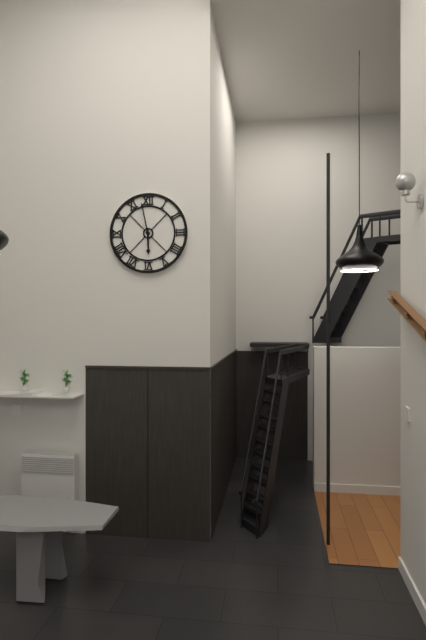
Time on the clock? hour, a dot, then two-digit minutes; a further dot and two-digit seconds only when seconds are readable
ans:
5.58
